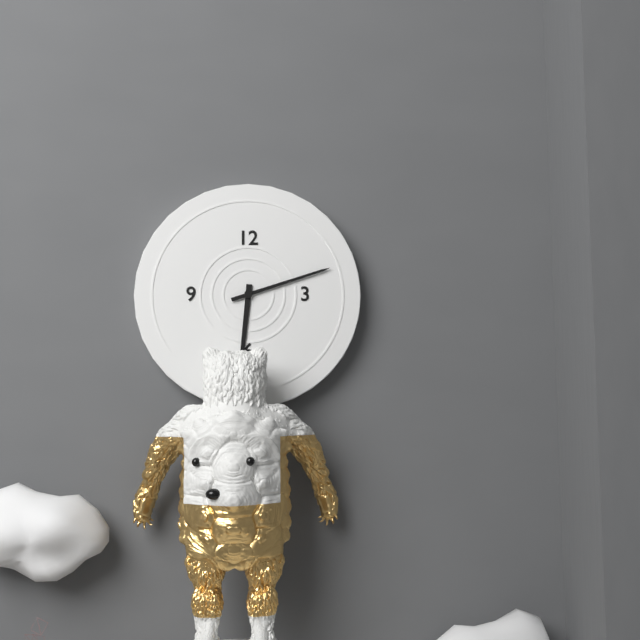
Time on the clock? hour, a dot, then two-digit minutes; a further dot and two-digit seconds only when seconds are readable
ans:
6.12
